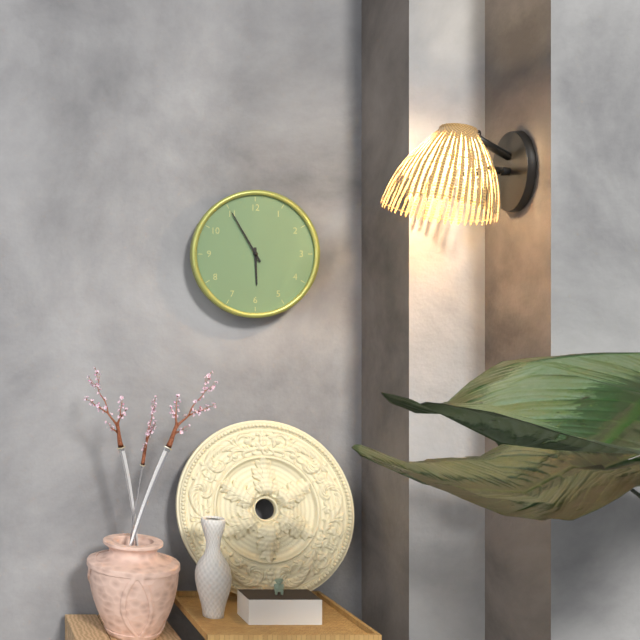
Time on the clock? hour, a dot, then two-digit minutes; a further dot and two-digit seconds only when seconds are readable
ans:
5.55
